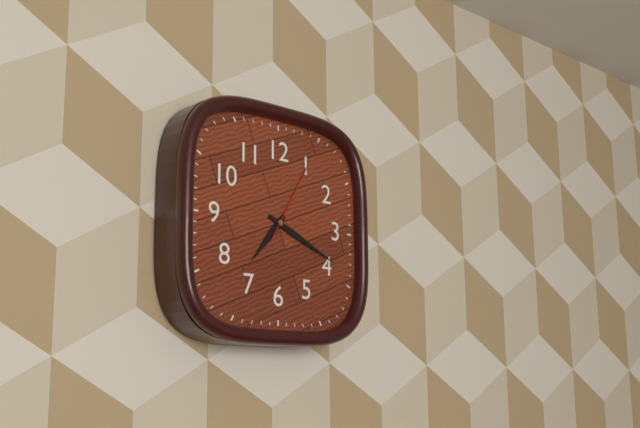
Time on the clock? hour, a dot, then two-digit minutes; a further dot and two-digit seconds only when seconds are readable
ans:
7.19.05
